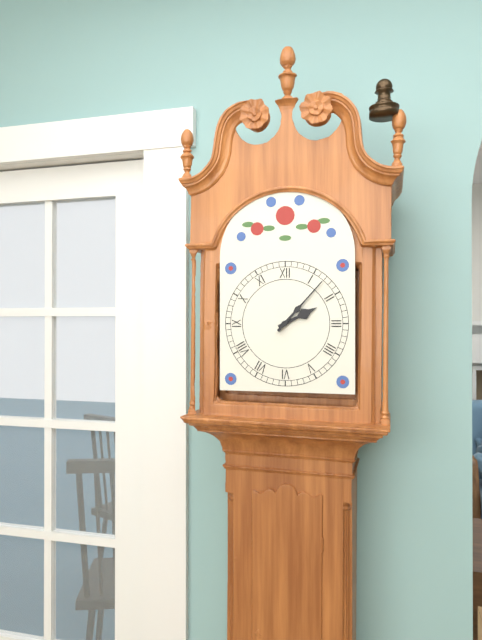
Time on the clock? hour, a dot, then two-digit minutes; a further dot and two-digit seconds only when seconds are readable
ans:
2.07
